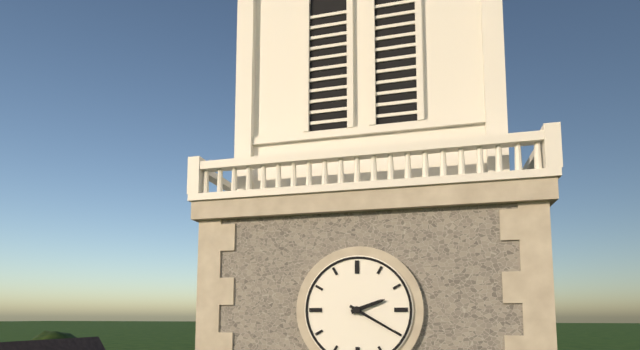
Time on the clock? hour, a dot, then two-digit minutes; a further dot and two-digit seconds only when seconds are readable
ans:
2.20
